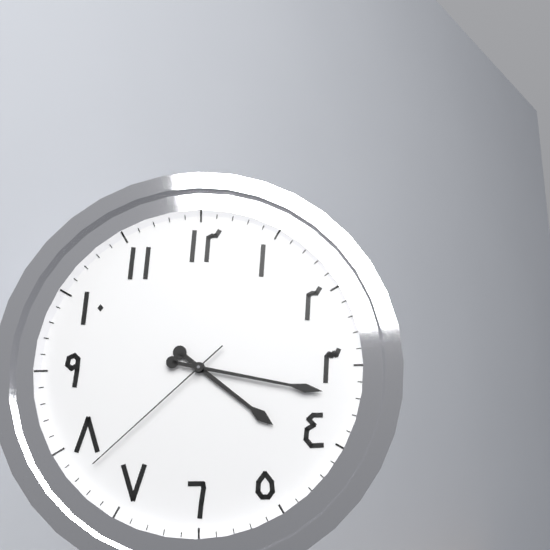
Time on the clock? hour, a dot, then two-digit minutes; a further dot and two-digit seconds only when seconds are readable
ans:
4.17.38
